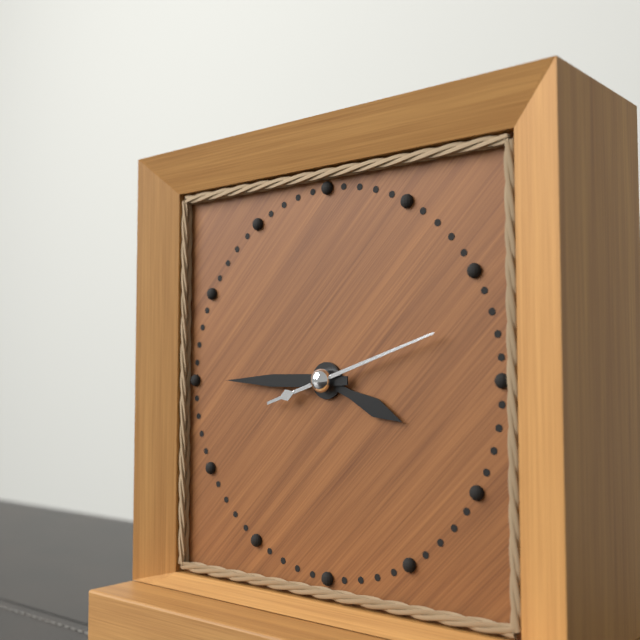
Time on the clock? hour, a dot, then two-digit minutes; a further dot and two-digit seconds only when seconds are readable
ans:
3.45.12
